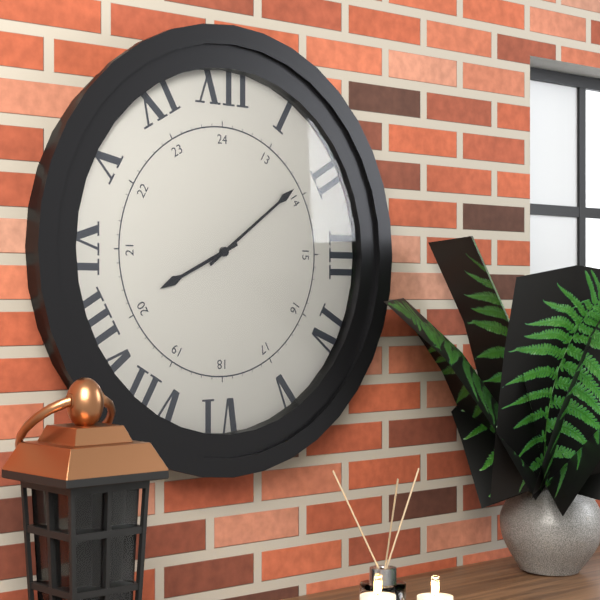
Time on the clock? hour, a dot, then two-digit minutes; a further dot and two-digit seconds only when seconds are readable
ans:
8.09
